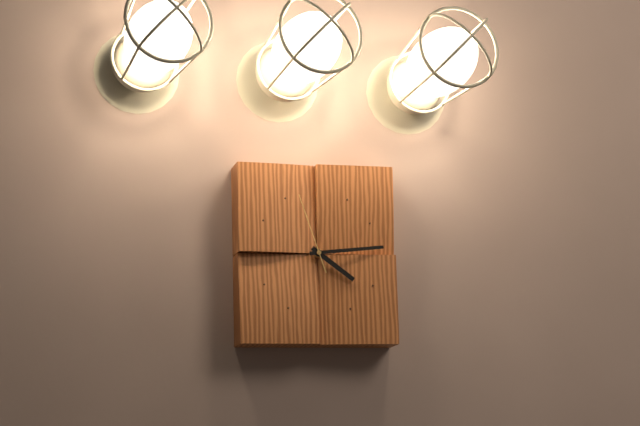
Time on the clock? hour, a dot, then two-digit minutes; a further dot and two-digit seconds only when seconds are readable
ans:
4.14.57
